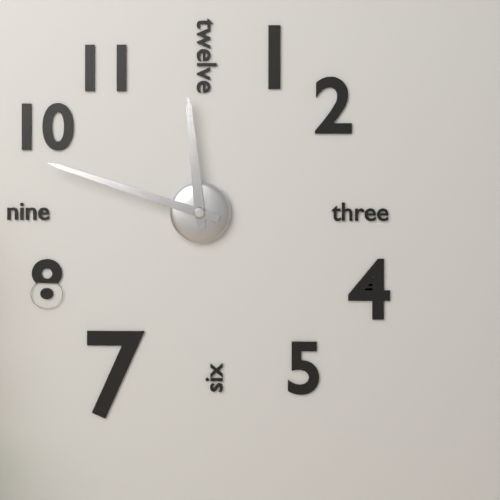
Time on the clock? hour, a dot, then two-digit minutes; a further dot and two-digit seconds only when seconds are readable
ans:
11.48
